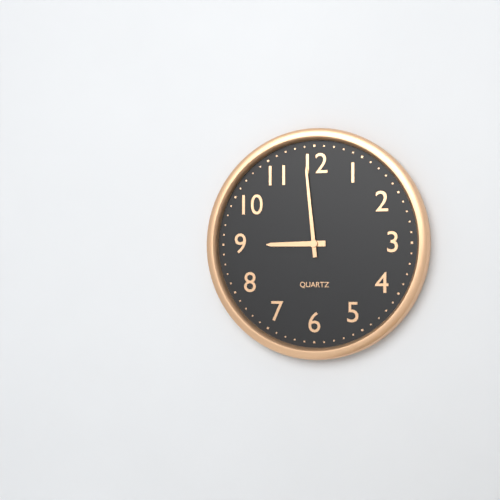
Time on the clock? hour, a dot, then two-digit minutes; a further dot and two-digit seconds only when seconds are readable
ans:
8.59
